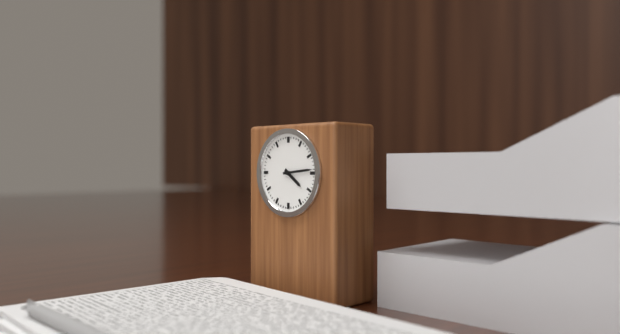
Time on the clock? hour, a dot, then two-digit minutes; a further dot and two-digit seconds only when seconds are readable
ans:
4.14
